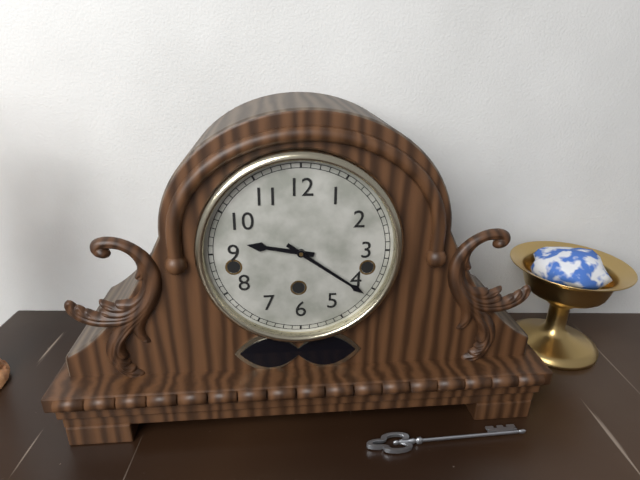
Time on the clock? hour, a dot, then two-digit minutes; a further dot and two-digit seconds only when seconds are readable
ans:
9.21
